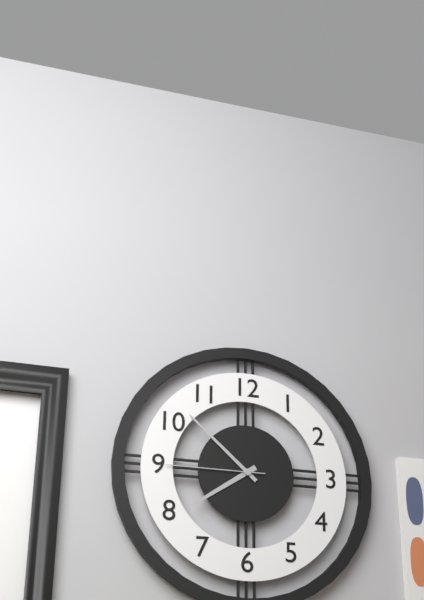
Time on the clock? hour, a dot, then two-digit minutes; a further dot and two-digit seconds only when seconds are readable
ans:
7.52.45
